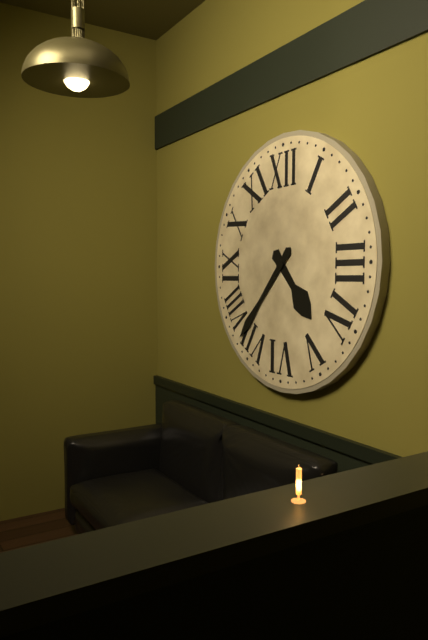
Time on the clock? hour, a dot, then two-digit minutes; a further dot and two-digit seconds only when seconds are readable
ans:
4.37
